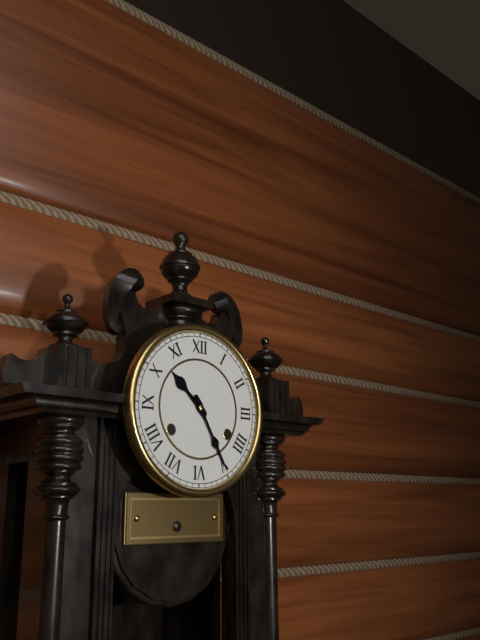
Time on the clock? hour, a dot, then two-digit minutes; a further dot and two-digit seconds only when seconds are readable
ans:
10.25
